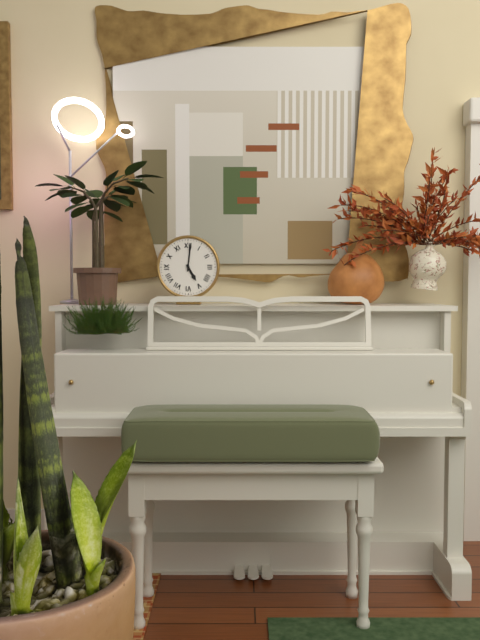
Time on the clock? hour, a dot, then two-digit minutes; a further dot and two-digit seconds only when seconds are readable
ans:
5.01
